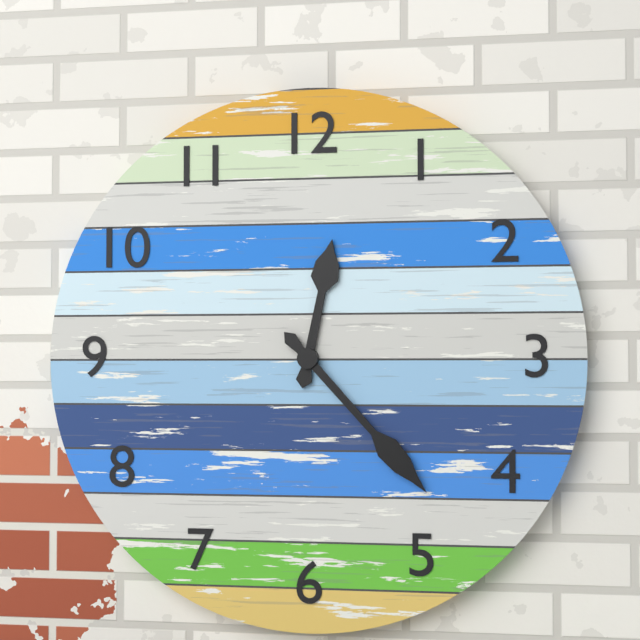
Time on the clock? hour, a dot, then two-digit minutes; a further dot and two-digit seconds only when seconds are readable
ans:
12.23
